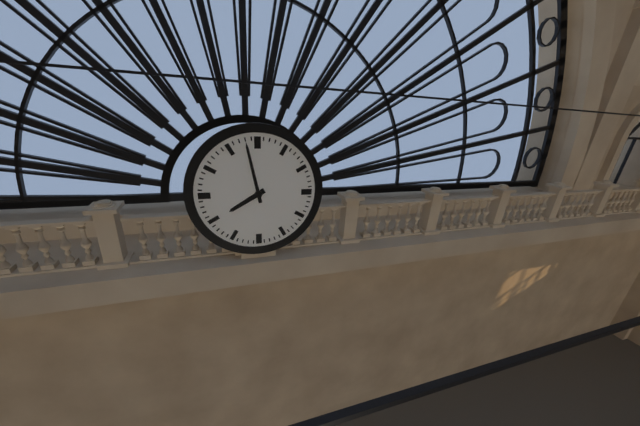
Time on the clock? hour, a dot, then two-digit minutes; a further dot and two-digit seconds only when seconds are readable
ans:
7.58
